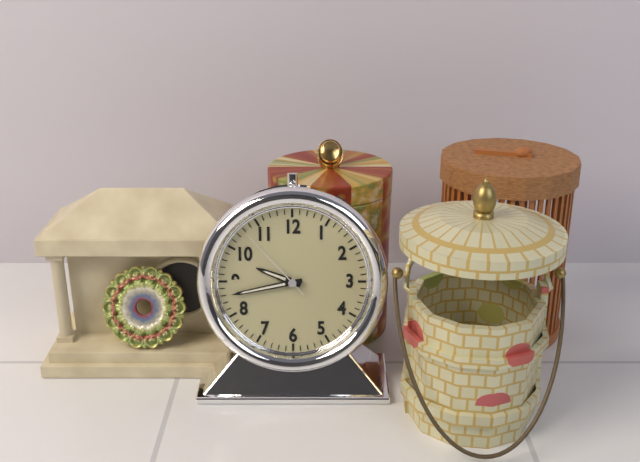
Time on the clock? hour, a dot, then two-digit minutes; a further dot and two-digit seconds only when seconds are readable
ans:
9.43.53
